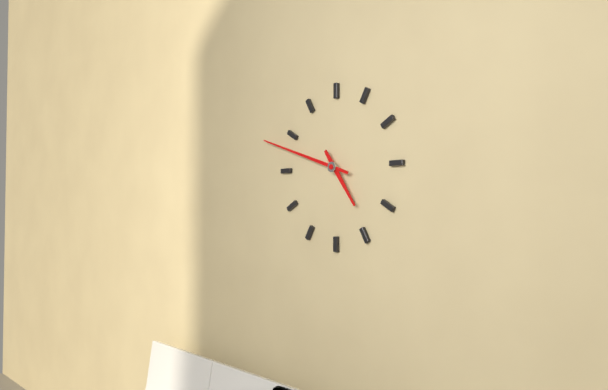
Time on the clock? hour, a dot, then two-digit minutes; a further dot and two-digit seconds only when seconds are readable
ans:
4.48
